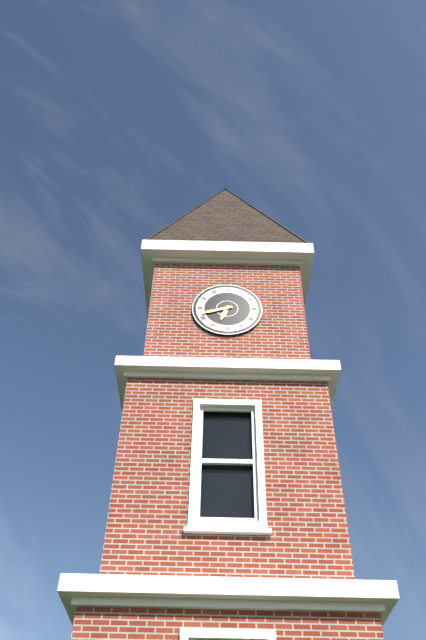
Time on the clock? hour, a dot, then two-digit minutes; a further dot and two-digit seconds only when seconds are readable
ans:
6.42
